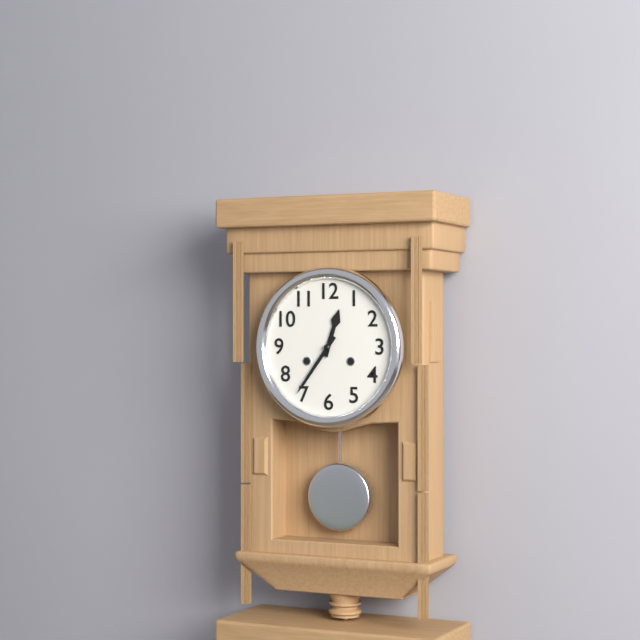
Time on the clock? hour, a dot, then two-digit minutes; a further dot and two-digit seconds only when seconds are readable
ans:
12.36
